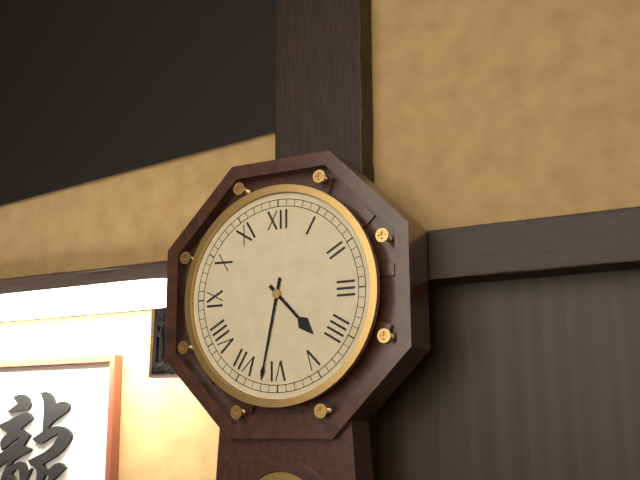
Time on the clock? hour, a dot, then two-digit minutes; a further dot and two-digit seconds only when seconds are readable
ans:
4.32
